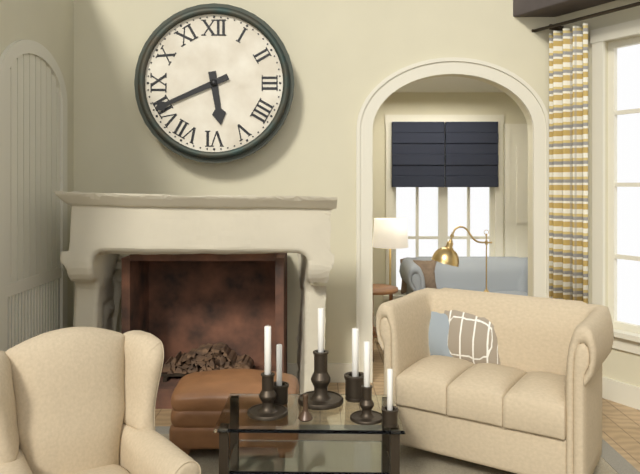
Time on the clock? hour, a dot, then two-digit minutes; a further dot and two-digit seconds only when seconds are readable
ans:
5.41
